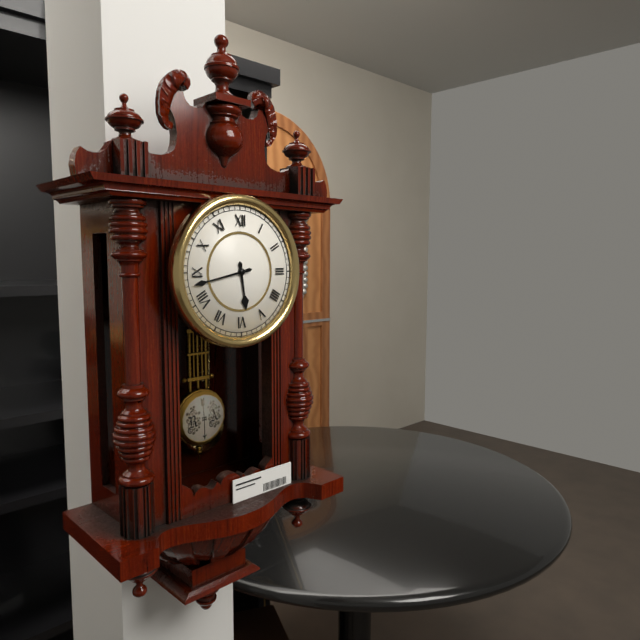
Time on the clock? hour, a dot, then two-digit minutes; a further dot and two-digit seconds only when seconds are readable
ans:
5.43
